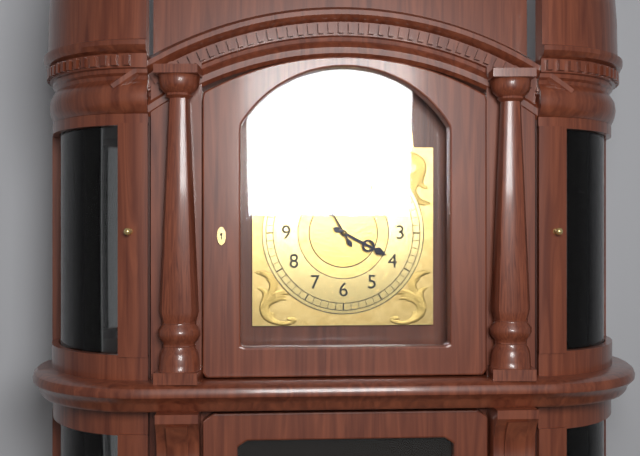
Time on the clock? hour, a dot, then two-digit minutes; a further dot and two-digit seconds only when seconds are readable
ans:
3.55
